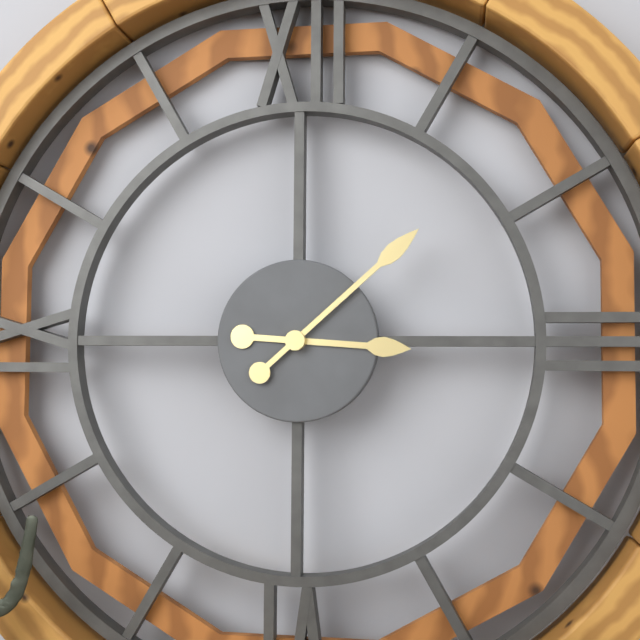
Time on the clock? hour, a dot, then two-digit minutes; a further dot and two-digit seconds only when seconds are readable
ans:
3.08
